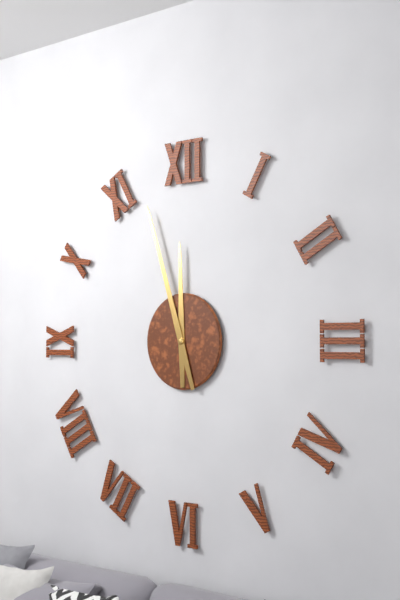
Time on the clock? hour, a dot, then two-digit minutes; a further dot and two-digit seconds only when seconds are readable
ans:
11.57
